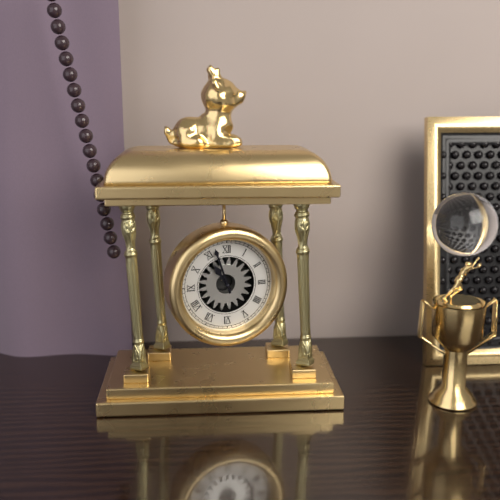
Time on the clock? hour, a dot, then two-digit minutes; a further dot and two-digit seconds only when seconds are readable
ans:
10.57
